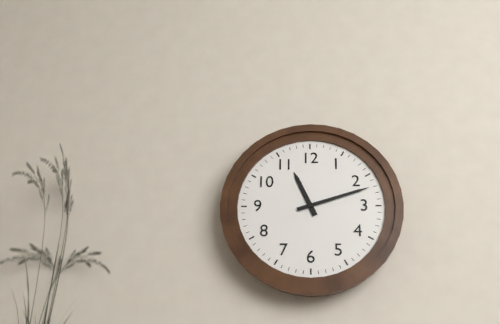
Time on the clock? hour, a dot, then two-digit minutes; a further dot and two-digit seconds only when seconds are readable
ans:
11.12
